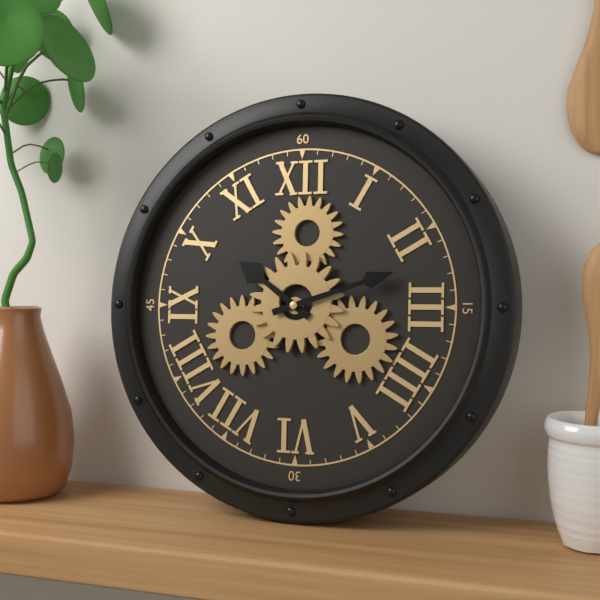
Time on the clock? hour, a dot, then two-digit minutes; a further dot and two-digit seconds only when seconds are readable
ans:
10.12
